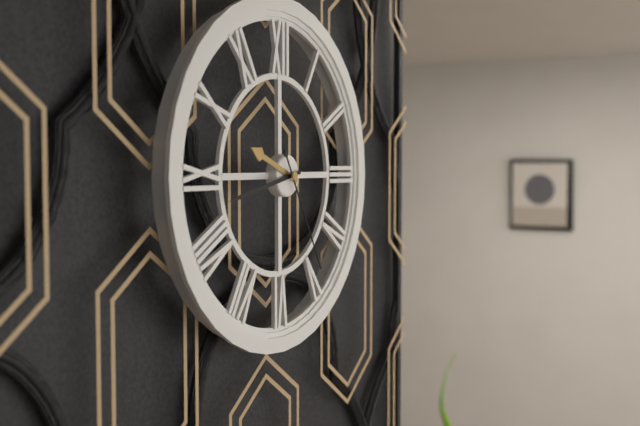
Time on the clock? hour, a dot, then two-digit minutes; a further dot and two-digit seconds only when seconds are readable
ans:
9.43.25
